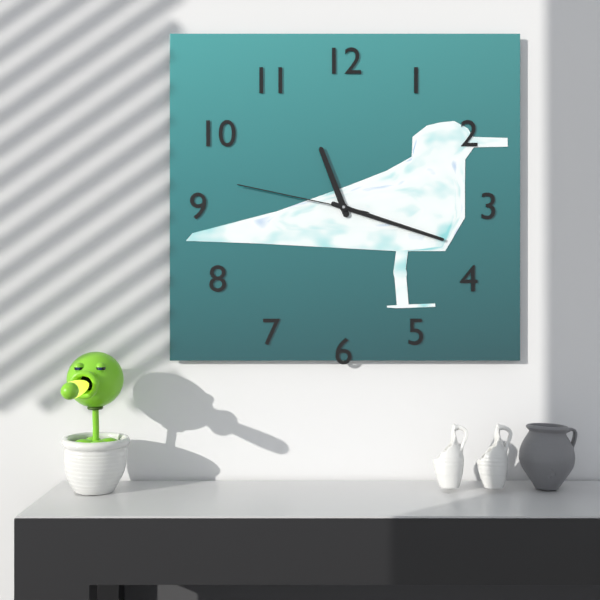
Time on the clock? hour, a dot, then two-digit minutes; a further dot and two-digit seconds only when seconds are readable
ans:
11.18.47
